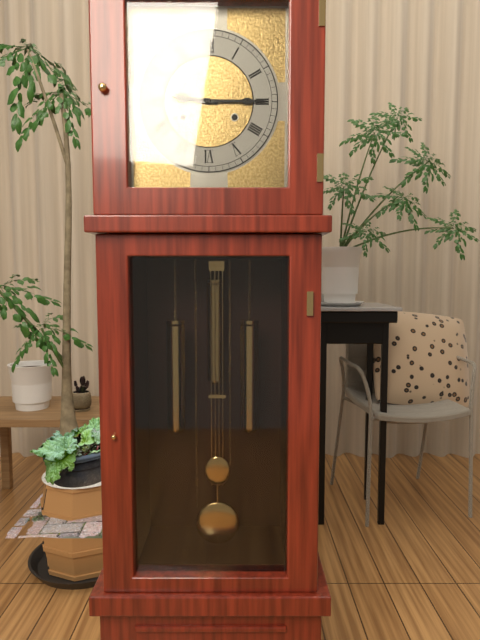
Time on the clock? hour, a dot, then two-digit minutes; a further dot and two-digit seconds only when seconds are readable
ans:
9.15
